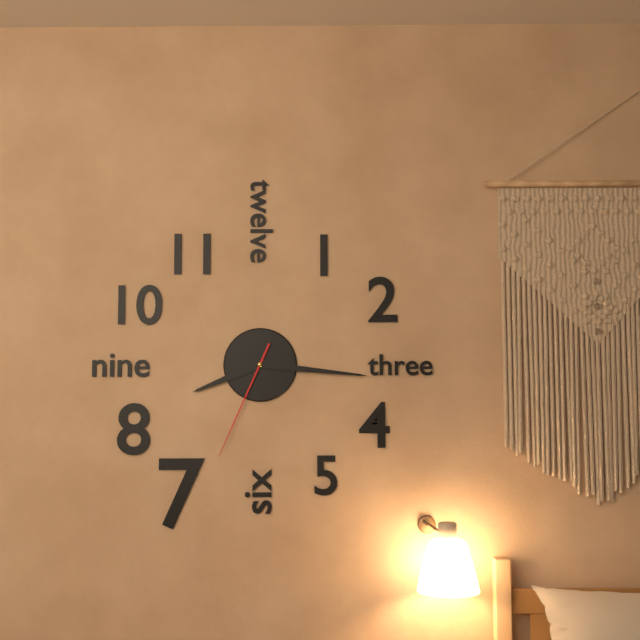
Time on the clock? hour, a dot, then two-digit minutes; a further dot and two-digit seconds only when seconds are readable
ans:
8.16.34
